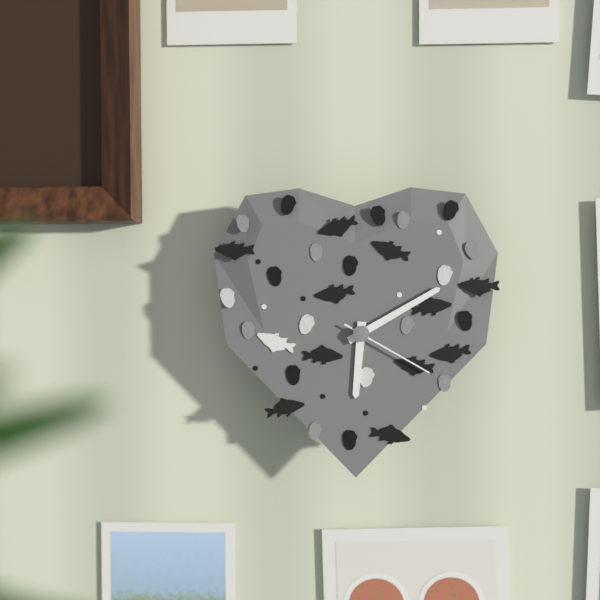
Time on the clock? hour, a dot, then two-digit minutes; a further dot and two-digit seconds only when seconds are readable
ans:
6.10.20
